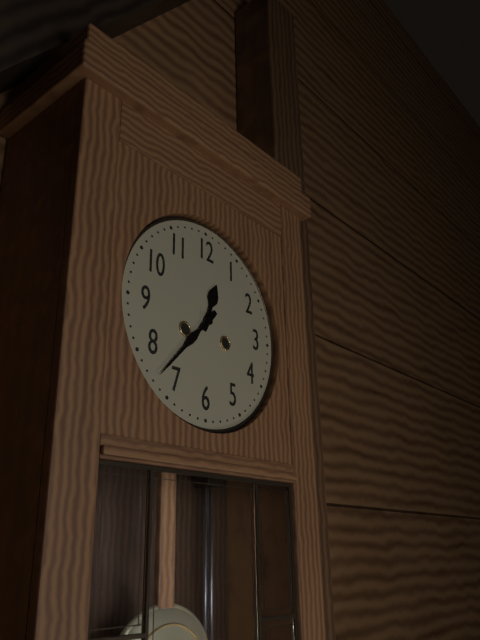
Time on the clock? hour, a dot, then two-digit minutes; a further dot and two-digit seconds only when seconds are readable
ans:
12.37
